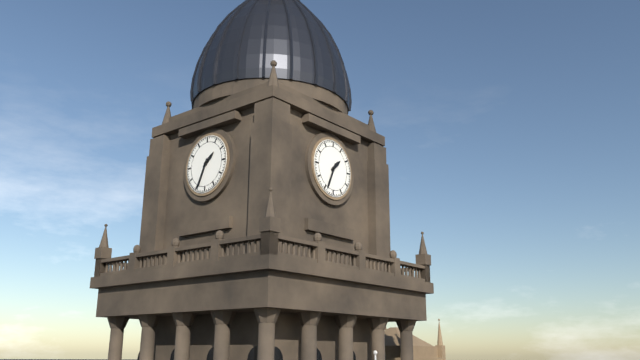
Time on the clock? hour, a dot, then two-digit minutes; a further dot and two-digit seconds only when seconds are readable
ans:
1.34
